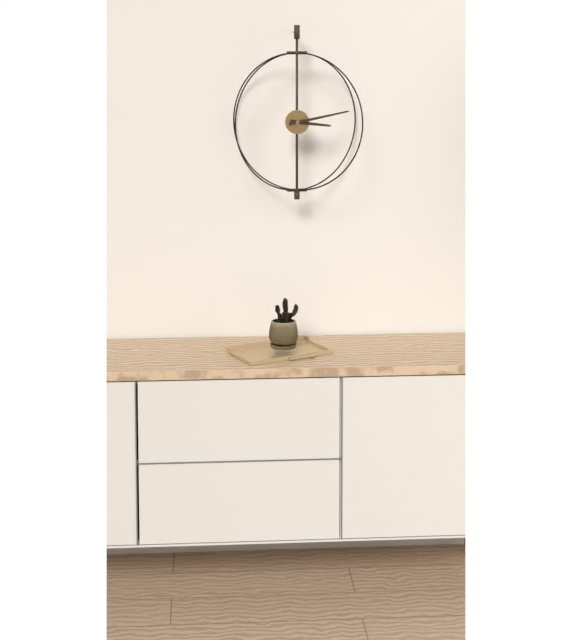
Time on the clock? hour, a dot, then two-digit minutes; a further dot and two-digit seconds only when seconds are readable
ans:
3.13
